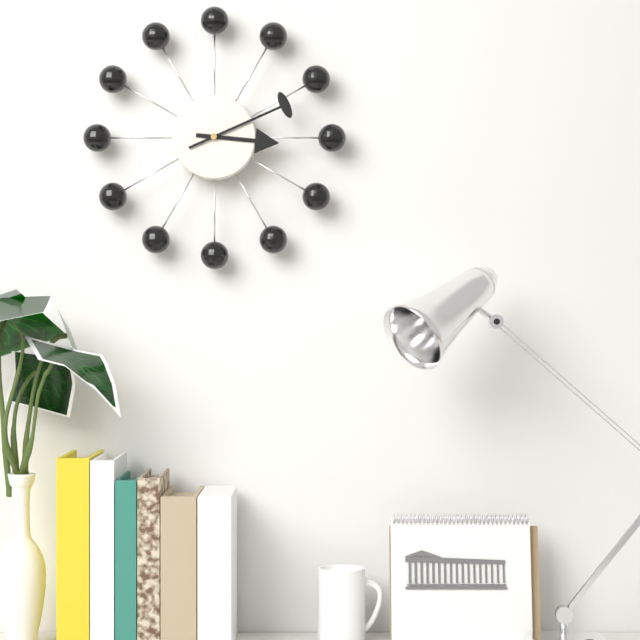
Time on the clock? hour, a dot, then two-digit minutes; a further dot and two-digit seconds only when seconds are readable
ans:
3.11
